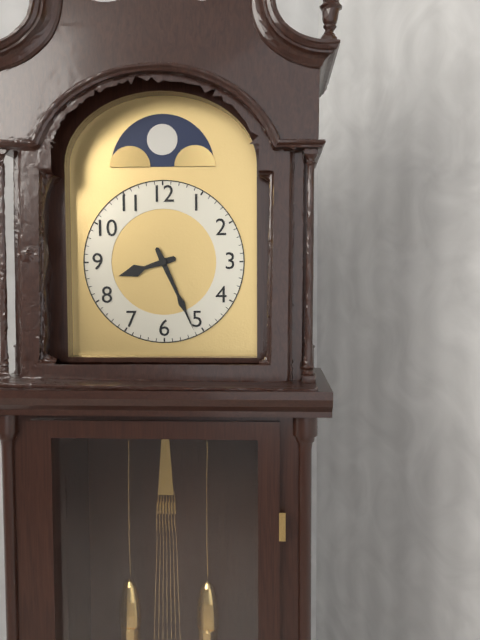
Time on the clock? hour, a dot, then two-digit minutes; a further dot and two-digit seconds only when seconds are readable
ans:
8.26
